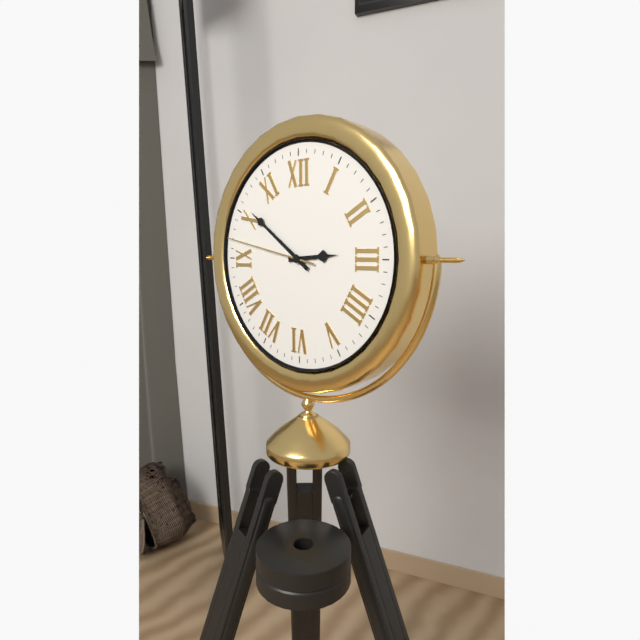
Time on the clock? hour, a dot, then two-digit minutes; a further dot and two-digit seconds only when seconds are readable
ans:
2.51.47
